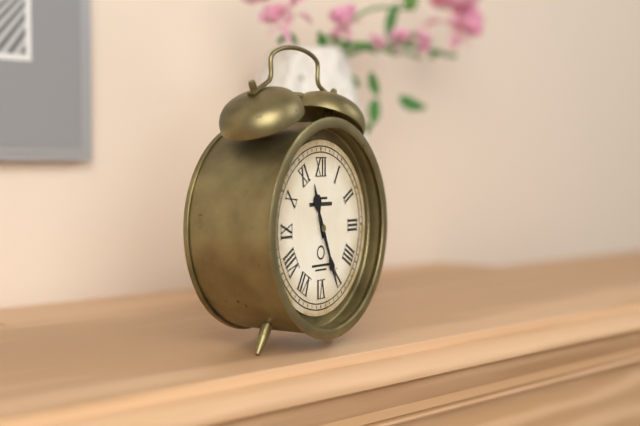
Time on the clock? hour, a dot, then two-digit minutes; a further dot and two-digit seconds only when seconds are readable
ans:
11.26
